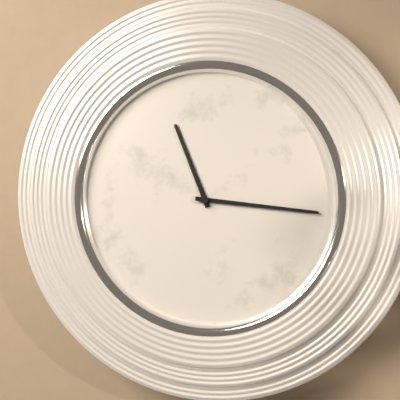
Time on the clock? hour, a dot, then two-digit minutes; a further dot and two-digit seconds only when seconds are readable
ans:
11.16
